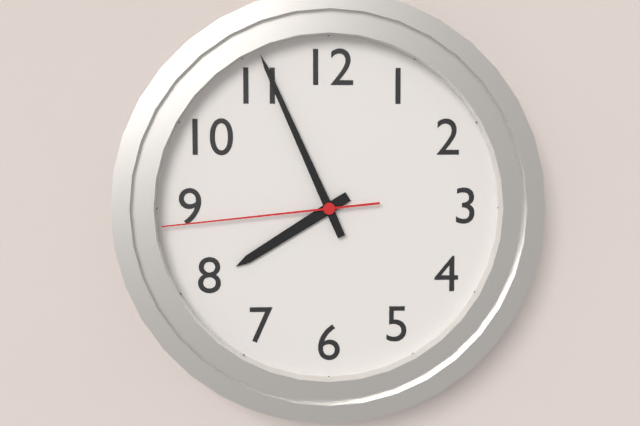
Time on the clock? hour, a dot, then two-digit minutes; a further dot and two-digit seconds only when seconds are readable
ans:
7.56.44
